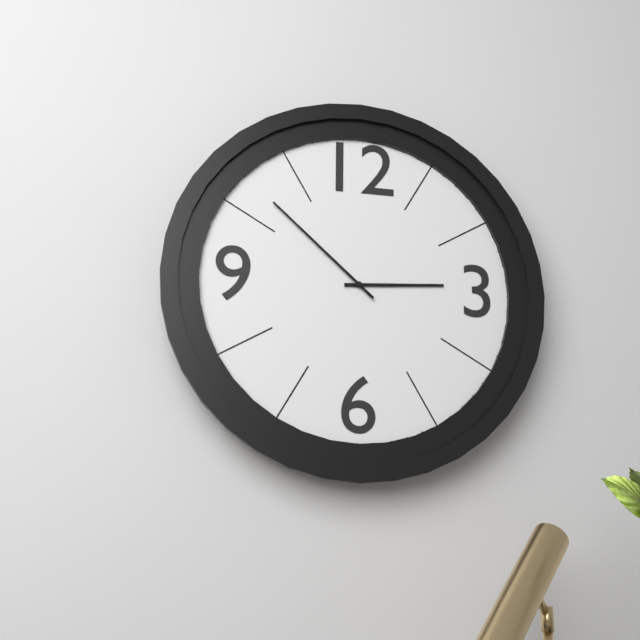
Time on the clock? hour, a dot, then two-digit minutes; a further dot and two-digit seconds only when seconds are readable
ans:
2.52
